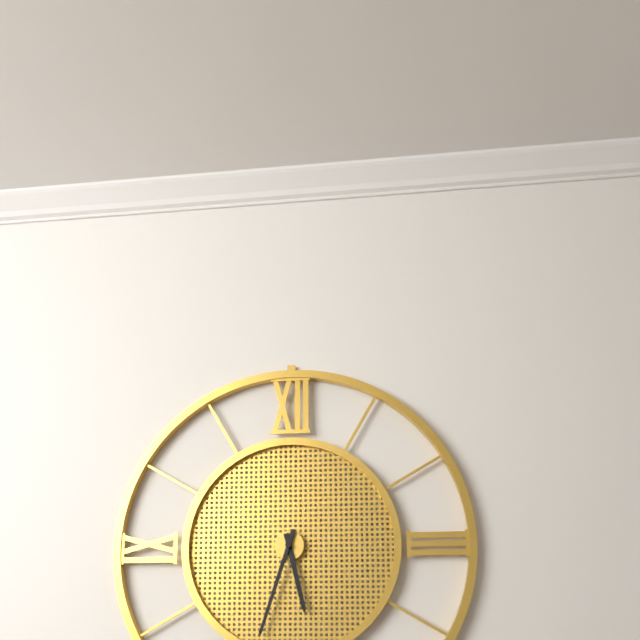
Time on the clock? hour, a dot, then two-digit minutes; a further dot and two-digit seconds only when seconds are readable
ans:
5.33
